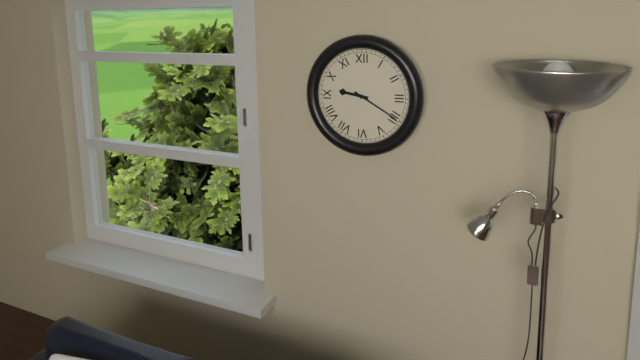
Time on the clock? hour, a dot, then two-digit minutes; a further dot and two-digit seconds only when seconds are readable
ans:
9.20
